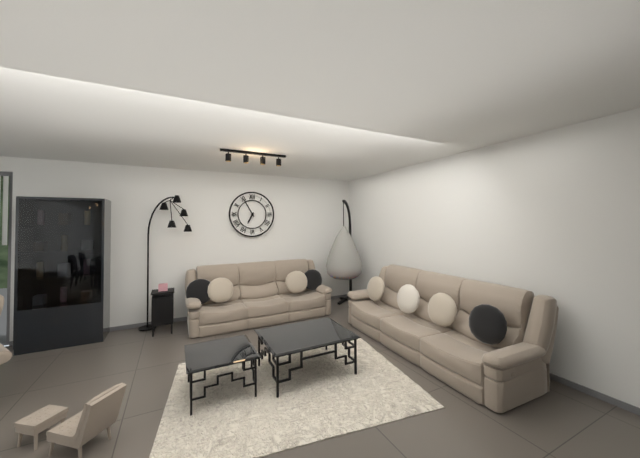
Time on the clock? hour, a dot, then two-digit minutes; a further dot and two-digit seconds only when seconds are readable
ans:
6.55
